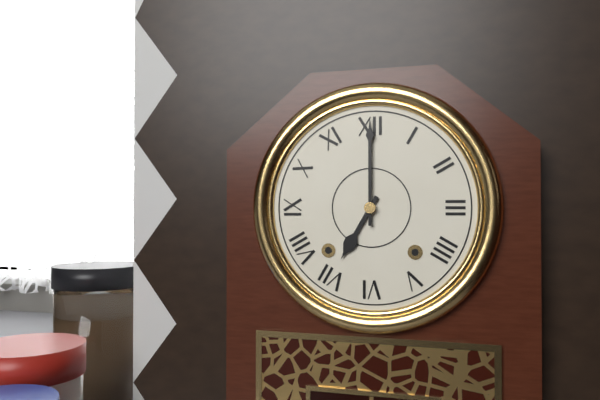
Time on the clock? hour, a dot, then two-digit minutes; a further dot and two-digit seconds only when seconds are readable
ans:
7.00
